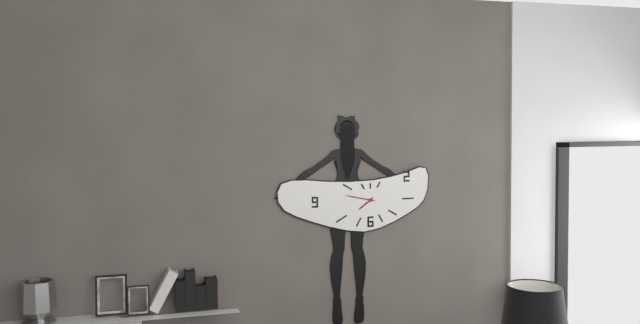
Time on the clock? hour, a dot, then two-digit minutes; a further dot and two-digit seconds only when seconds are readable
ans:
7.47
